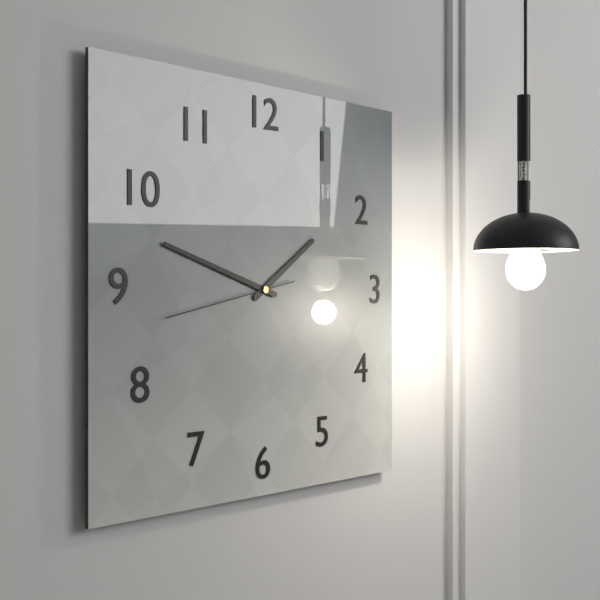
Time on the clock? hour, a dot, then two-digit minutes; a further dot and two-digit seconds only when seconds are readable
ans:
1.48.43
